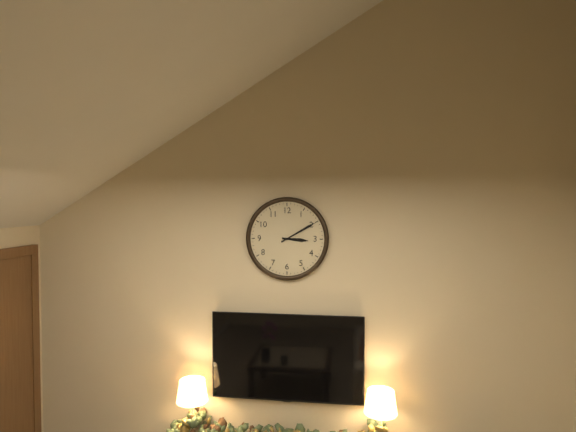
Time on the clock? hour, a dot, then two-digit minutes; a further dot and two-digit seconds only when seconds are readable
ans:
3.10
